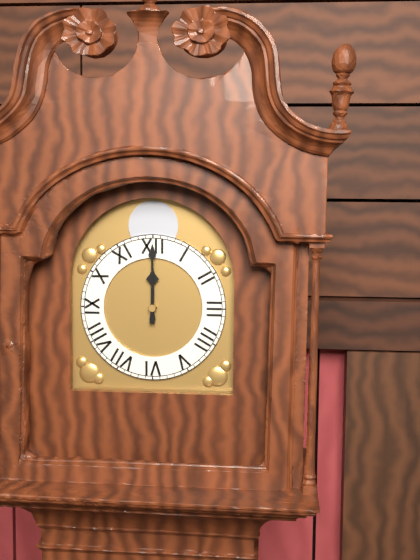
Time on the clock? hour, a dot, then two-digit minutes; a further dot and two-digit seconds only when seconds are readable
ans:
12.00
